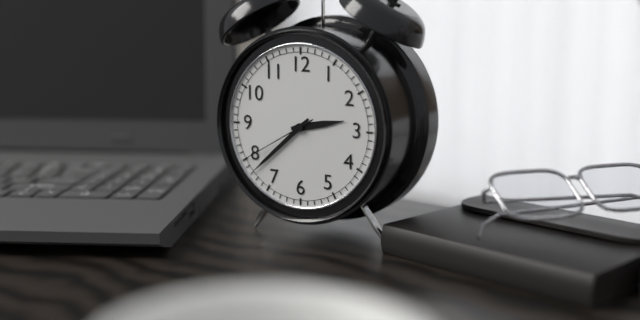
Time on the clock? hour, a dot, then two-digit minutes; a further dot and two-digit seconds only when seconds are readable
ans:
2.38.40
